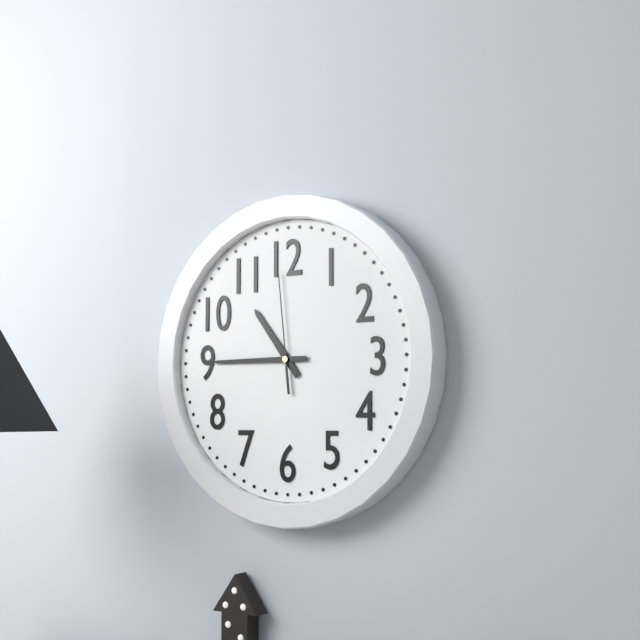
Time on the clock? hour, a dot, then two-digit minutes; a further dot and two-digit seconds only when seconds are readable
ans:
10.45.59
